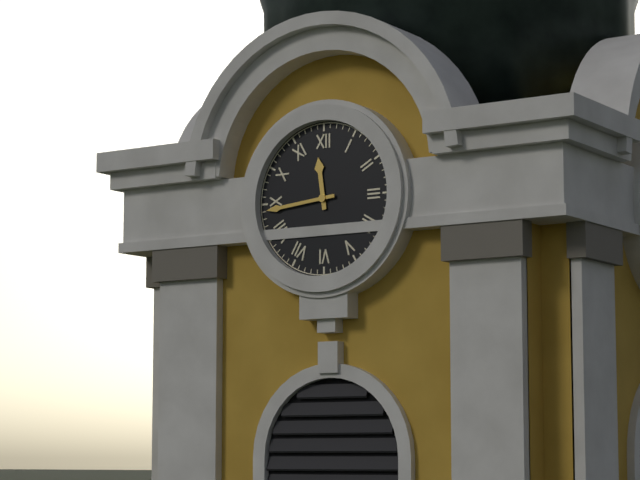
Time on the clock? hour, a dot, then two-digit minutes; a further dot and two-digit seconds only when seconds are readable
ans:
11.44
